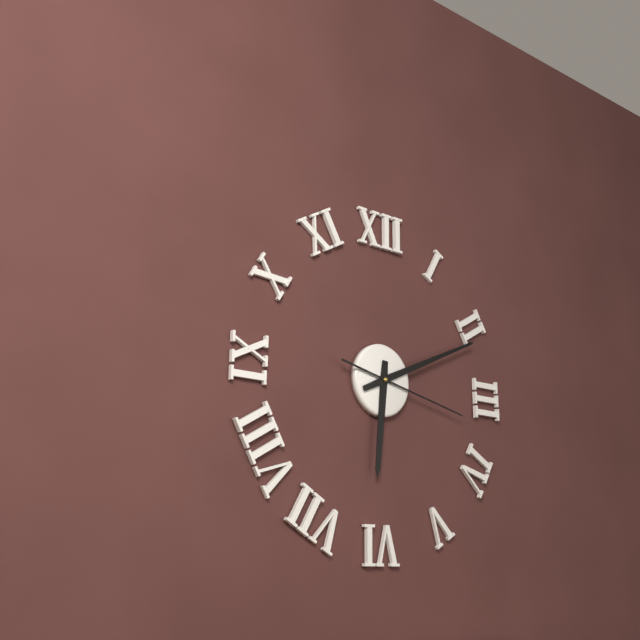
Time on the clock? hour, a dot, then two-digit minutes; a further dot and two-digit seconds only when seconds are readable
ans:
6.11.17
